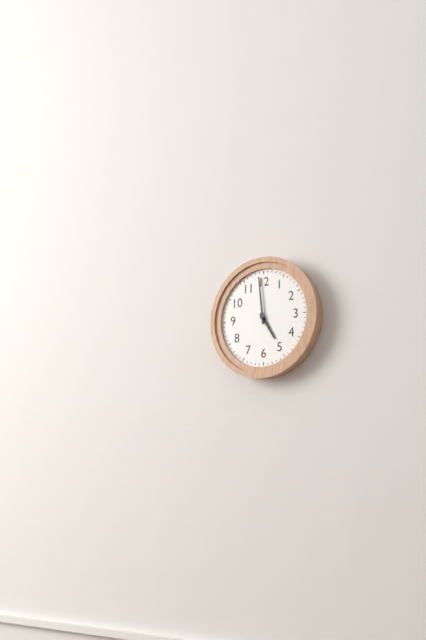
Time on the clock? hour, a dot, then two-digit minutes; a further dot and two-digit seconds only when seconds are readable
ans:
4.59
